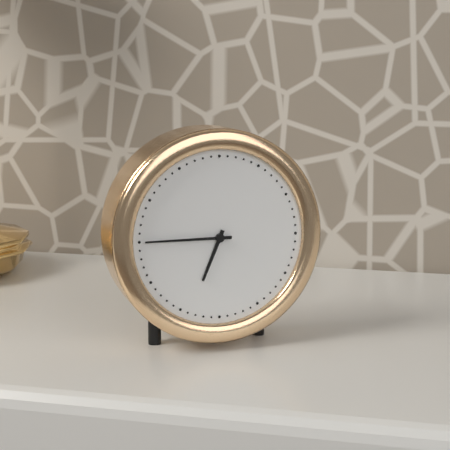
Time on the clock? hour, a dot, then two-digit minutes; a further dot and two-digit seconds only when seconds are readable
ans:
6.45
